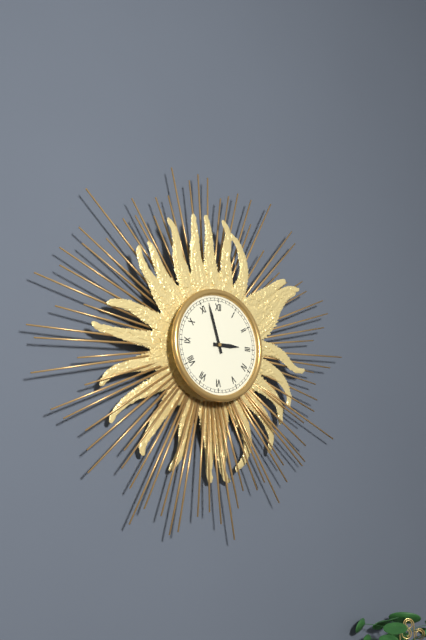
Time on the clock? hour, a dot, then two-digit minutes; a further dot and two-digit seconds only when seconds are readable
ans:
2.57
